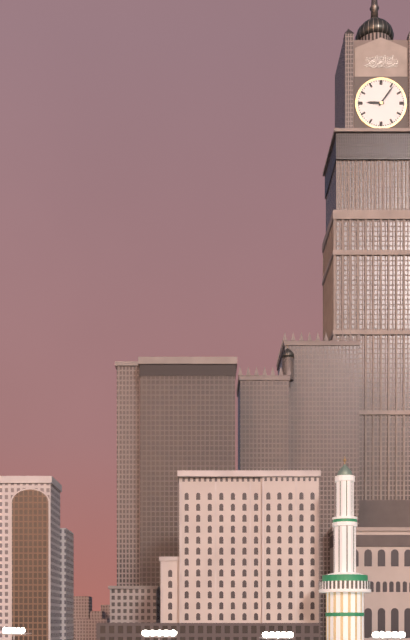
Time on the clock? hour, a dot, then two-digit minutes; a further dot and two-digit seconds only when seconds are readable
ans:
9.06
